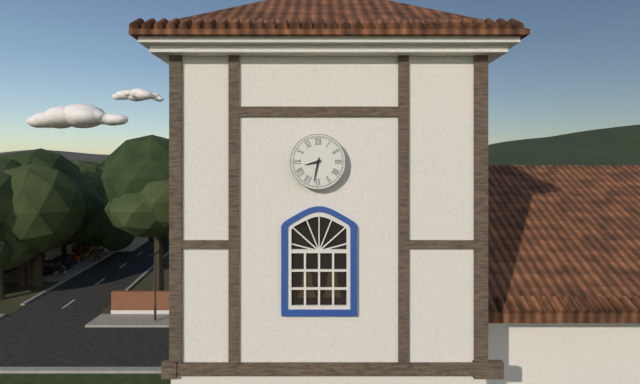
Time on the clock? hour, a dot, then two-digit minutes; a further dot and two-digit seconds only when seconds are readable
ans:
8.32
